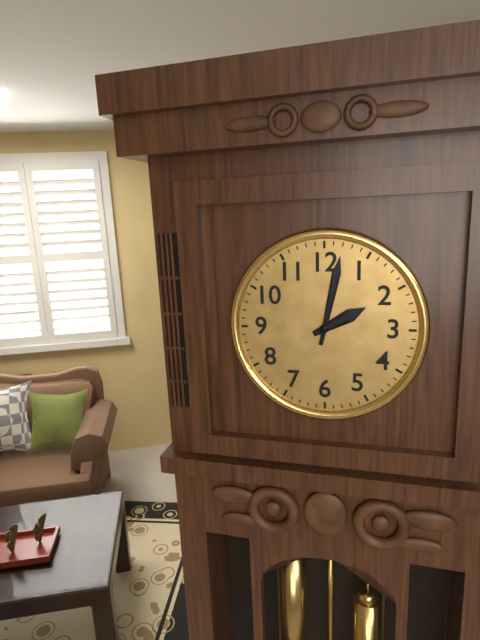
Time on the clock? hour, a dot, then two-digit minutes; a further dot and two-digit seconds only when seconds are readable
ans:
2.02
